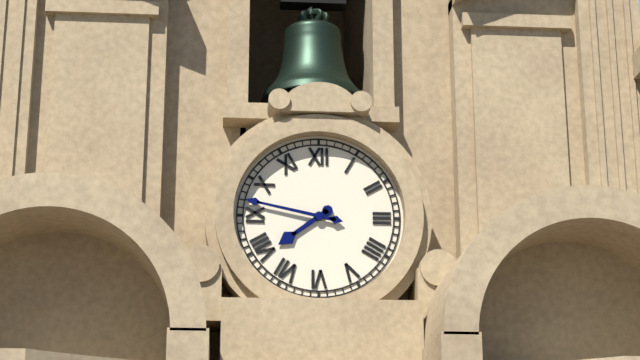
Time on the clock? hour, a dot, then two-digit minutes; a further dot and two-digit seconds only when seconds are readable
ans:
7.47
